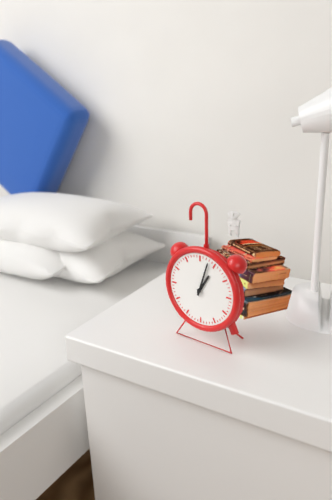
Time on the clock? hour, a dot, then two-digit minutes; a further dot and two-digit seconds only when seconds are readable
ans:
1.03
